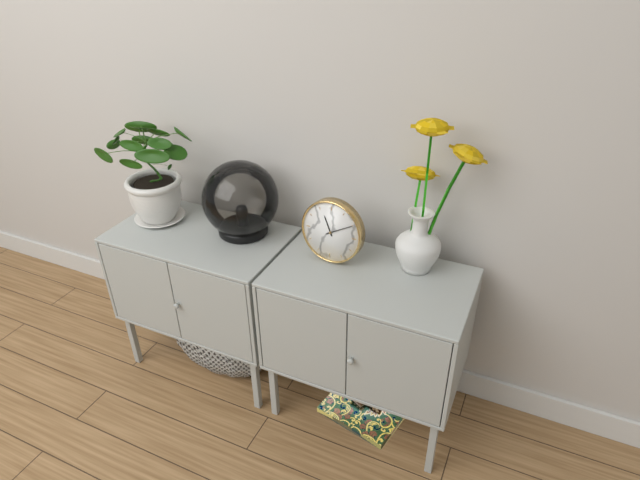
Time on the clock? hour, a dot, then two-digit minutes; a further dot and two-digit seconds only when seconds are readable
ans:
11.10
